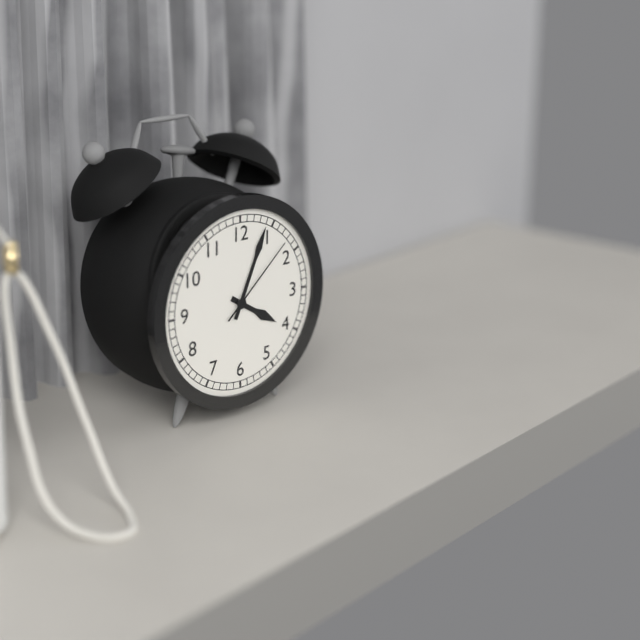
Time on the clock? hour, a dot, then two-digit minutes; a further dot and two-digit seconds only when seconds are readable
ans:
4.04.08
